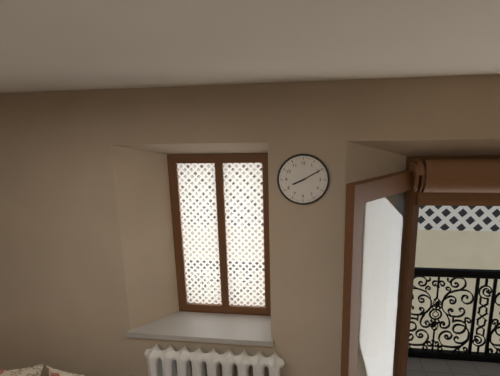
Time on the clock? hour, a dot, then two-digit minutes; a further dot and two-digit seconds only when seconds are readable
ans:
8.10
